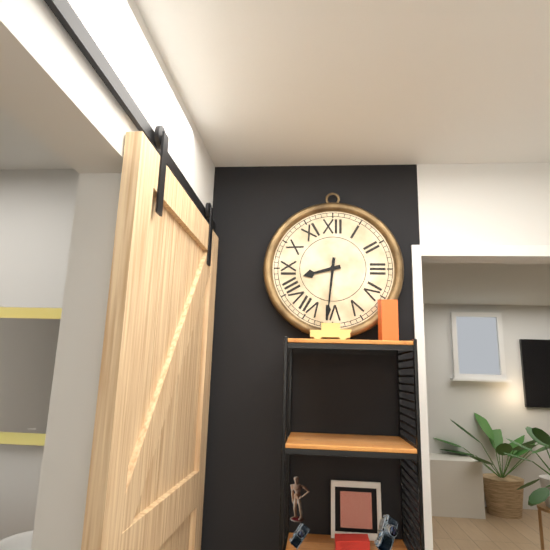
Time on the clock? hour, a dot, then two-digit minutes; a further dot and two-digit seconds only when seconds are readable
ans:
8.31
